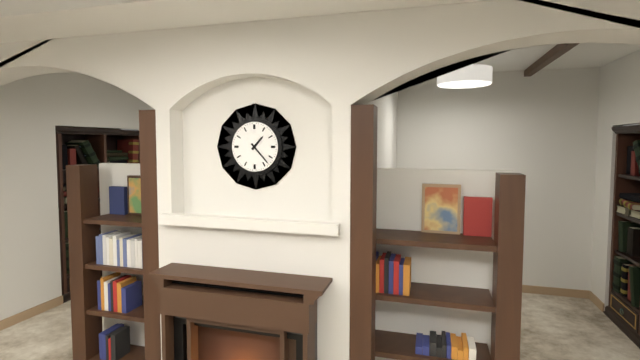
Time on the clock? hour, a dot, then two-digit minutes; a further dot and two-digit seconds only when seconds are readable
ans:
1.23
